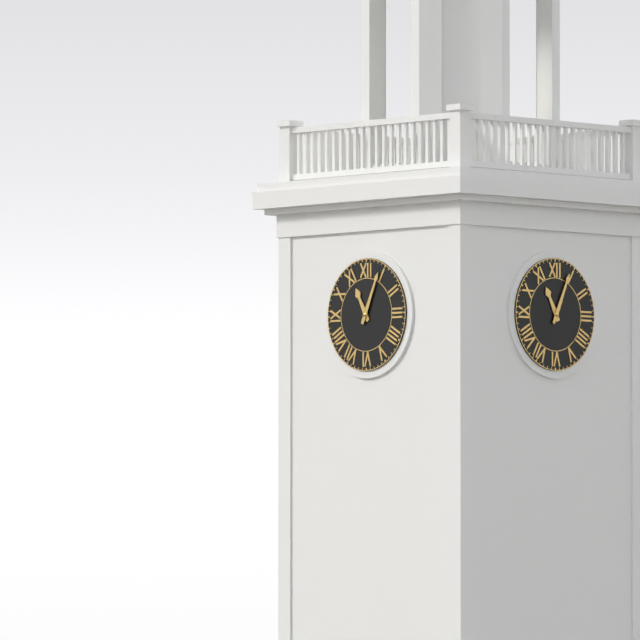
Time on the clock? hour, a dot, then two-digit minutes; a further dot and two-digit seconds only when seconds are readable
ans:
11.04
